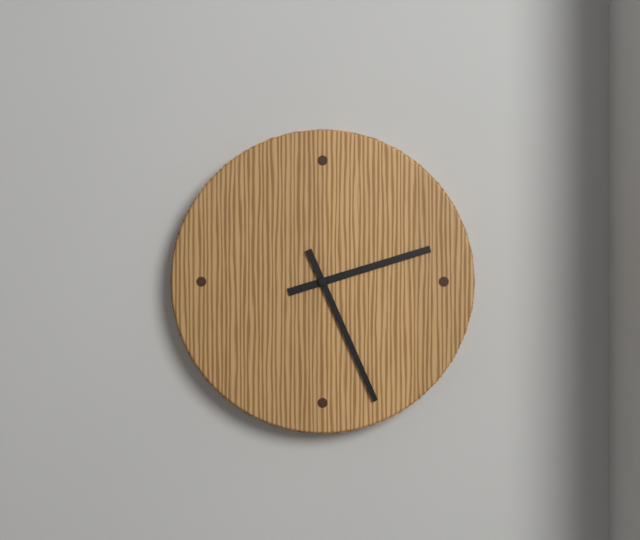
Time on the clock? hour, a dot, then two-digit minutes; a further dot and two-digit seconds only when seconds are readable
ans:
2.26
